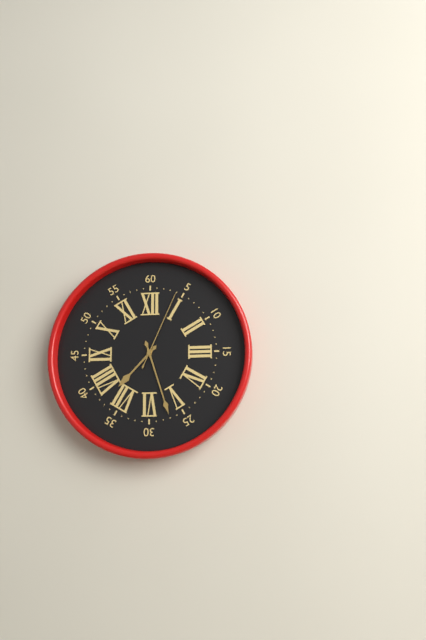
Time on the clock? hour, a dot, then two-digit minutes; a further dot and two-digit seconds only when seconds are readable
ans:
7.27.04
